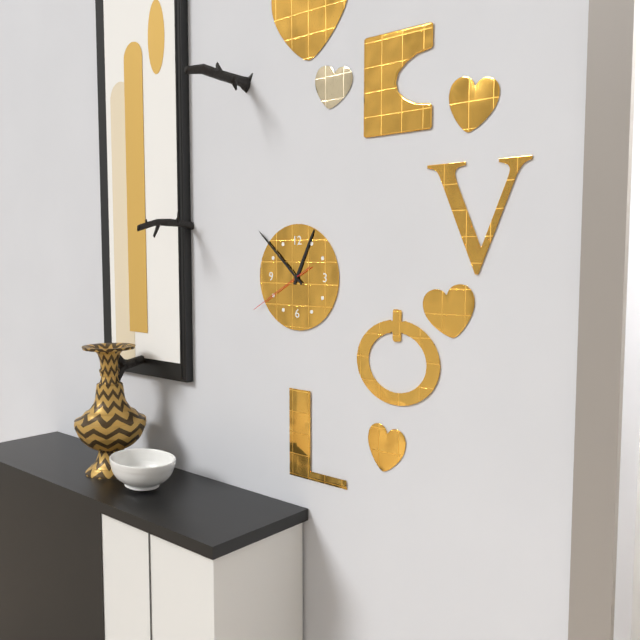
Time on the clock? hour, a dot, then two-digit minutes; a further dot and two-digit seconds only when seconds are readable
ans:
12.52.40
